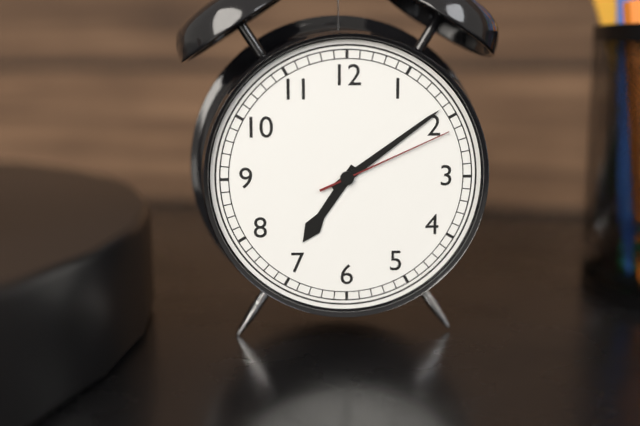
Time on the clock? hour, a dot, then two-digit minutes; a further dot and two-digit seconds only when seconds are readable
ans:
7.09.11
